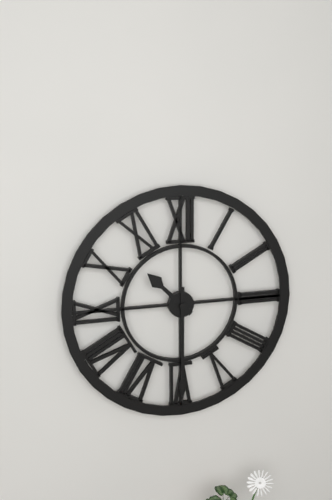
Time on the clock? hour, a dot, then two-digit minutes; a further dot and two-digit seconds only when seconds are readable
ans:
10.30
